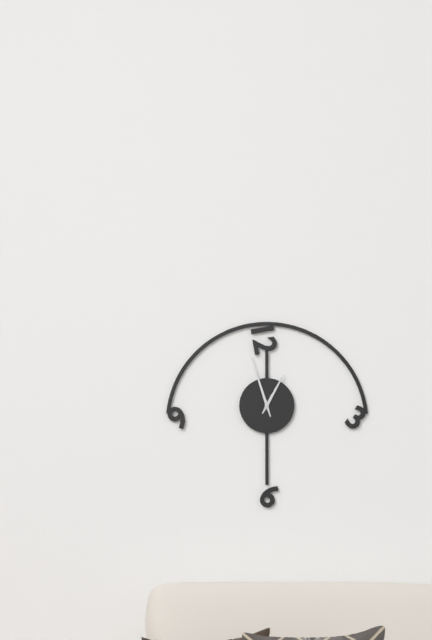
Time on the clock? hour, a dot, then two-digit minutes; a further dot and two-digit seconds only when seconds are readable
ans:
12.57
